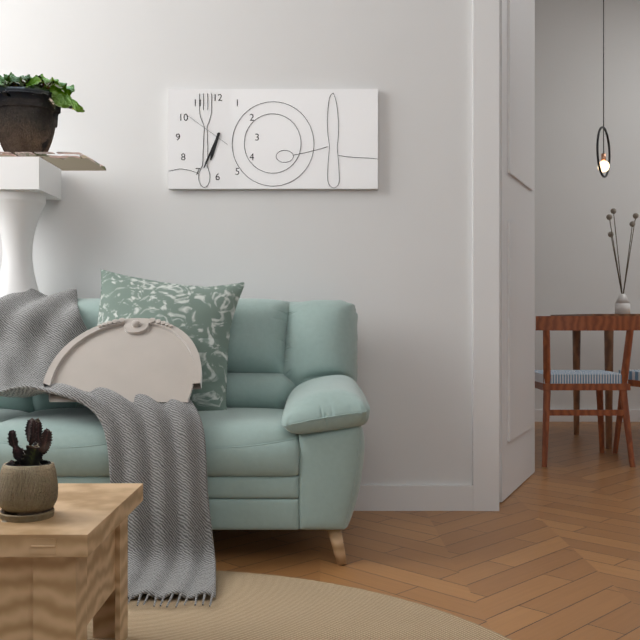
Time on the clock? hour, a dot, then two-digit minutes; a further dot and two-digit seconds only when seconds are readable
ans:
6.34
